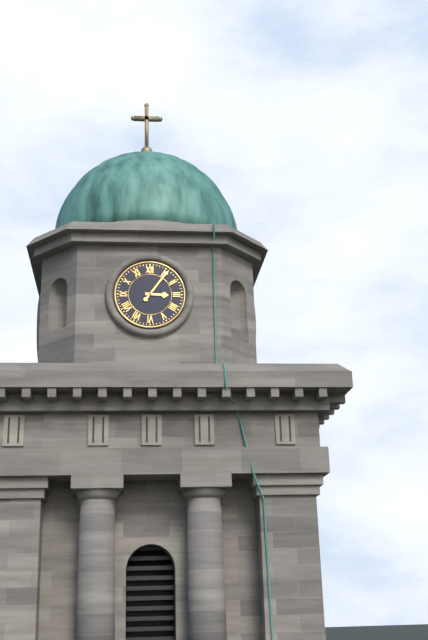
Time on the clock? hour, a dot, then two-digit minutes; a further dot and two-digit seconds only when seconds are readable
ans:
3.06
